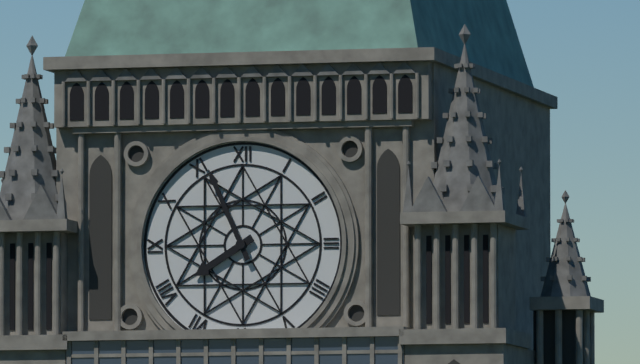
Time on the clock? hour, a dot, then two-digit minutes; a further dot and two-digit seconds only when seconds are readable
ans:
7.56
